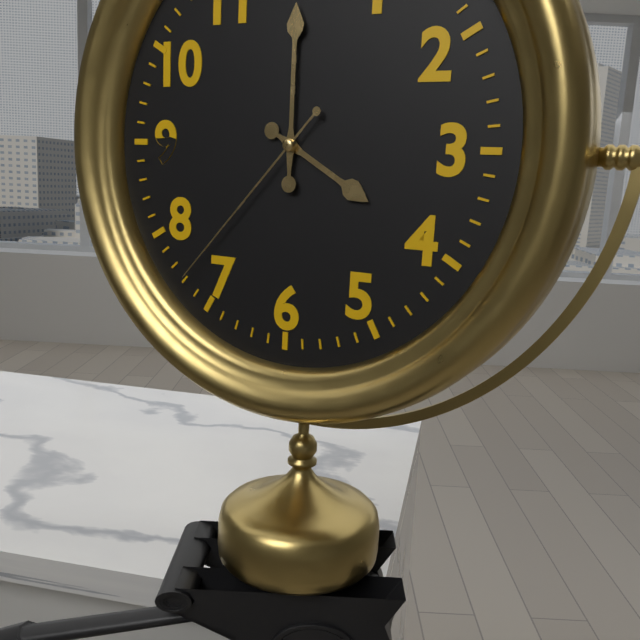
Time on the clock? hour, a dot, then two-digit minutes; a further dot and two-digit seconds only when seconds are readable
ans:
4.00.37
